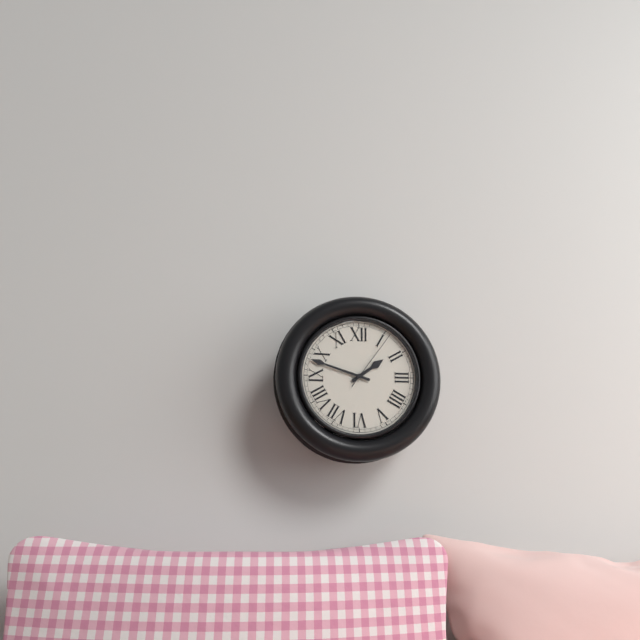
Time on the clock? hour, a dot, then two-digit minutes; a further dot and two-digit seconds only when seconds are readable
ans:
1.48.06
